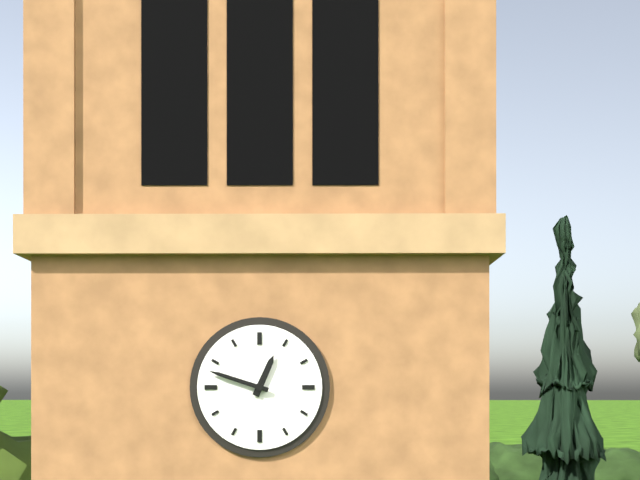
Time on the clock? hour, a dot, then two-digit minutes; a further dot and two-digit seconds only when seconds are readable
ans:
12.48
